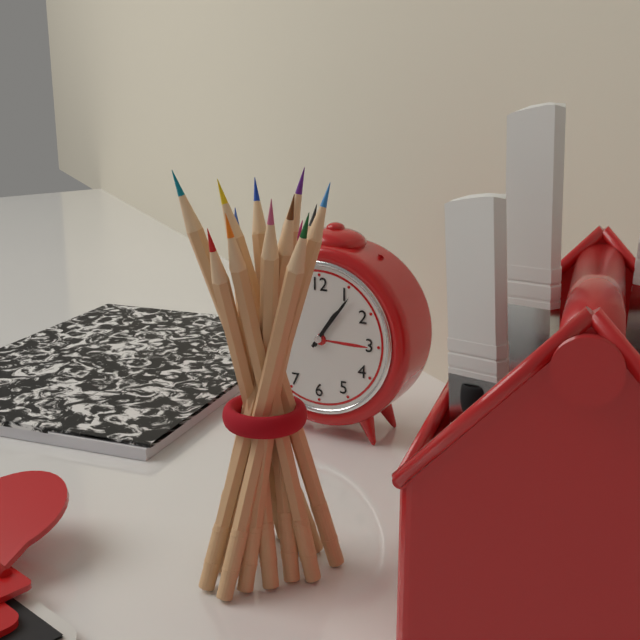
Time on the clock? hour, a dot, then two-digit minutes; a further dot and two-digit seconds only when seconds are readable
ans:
1.06
